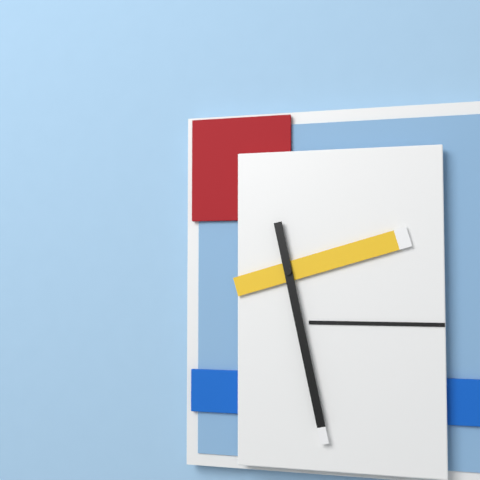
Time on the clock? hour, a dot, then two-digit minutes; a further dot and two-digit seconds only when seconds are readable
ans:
2.28
